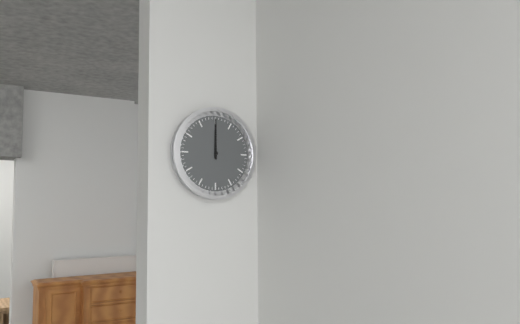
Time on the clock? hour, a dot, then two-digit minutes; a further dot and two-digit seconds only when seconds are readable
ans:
12.00
